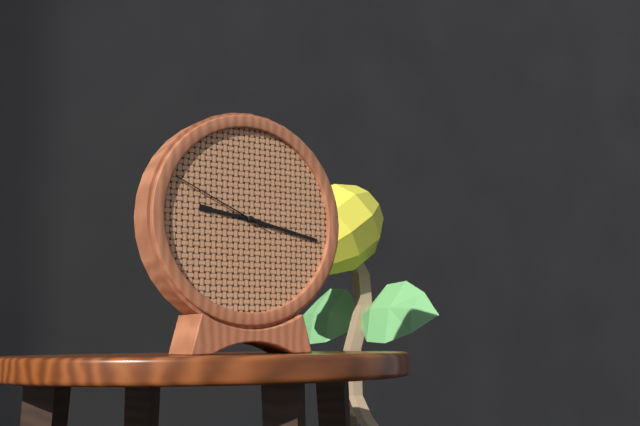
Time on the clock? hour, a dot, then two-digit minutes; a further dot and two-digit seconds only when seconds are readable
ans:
9.17.49
